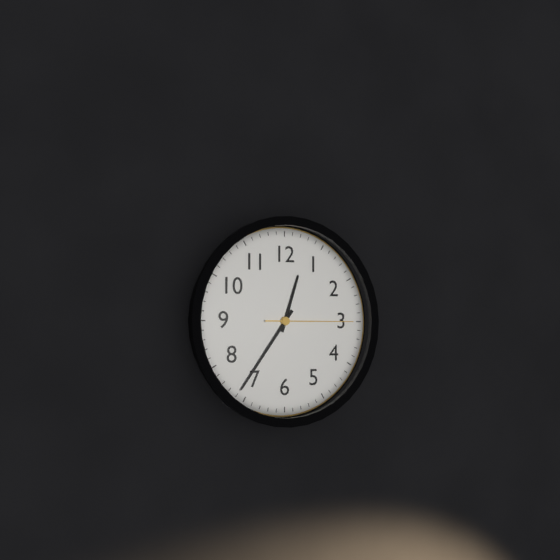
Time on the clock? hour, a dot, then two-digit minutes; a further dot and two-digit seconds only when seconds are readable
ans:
12.36.15
